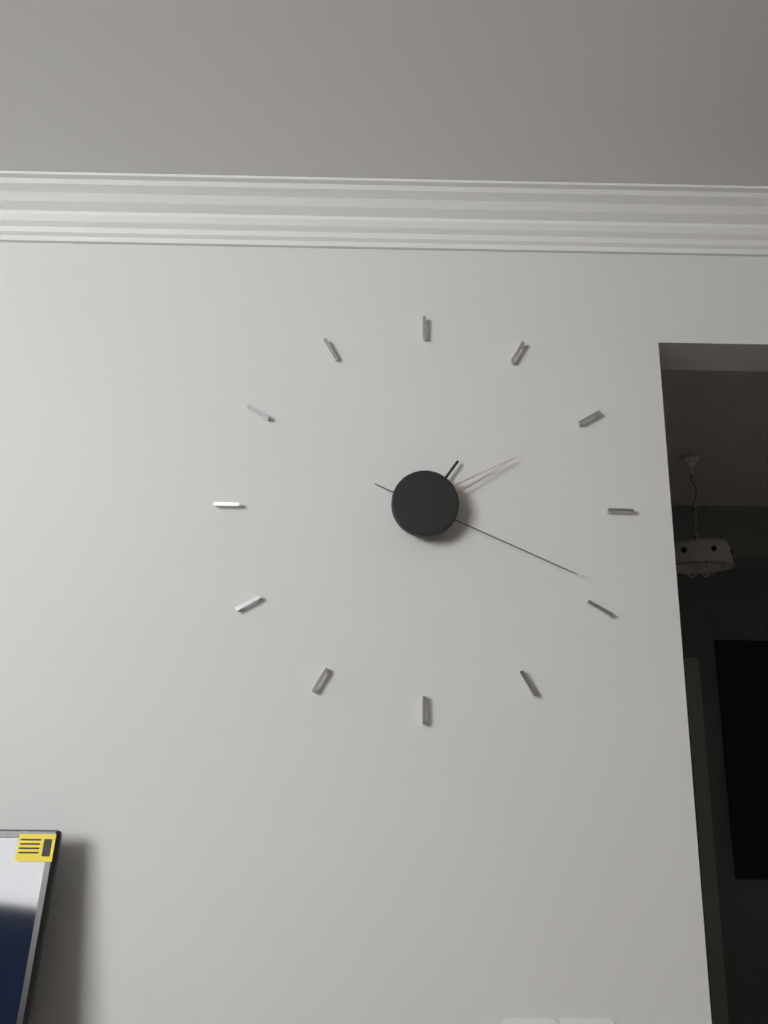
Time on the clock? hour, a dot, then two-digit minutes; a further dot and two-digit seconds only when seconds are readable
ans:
1.10.19
